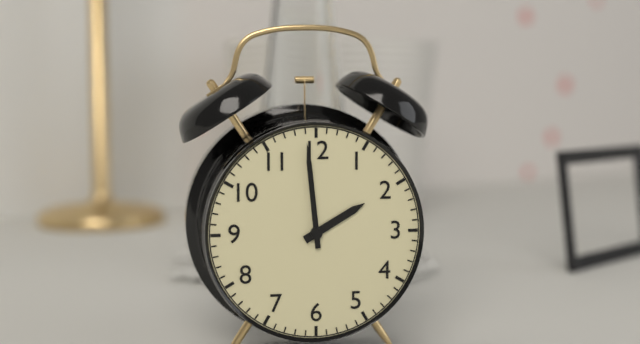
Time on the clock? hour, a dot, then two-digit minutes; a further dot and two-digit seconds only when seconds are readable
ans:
1.59
